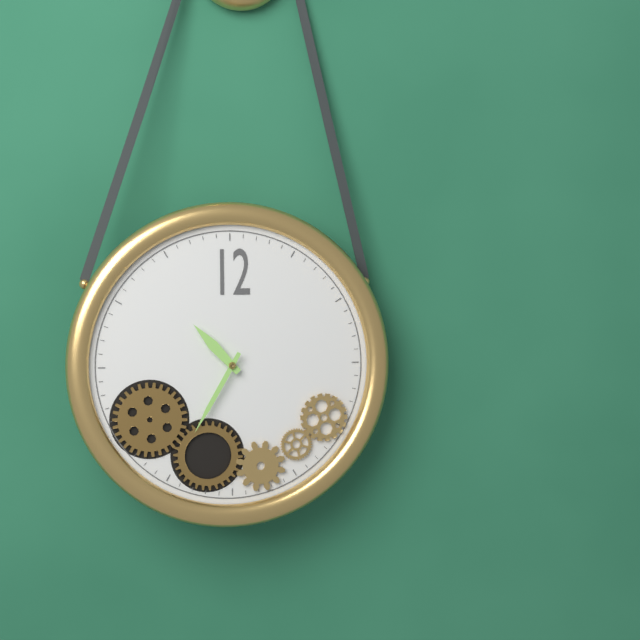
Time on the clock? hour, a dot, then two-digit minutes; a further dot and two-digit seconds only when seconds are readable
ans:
10.35
